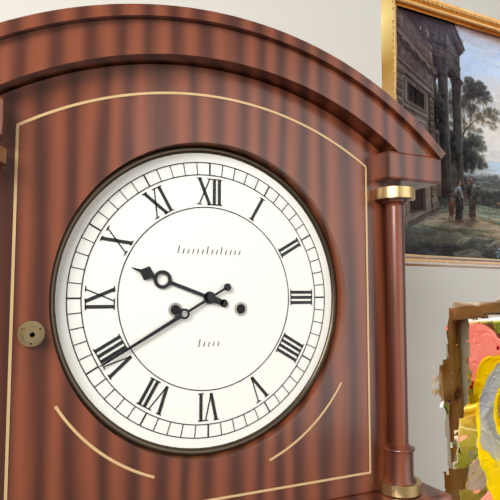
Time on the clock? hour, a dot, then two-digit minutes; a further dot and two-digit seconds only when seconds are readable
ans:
9.40
